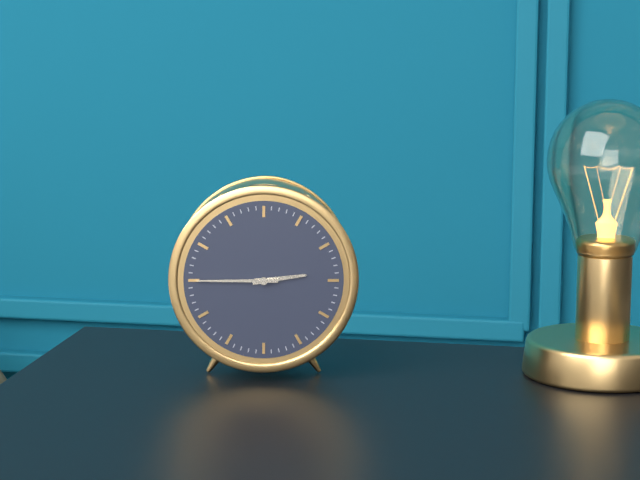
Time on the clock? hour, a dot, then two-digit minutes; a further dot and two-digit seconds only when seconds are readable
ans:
2.45
